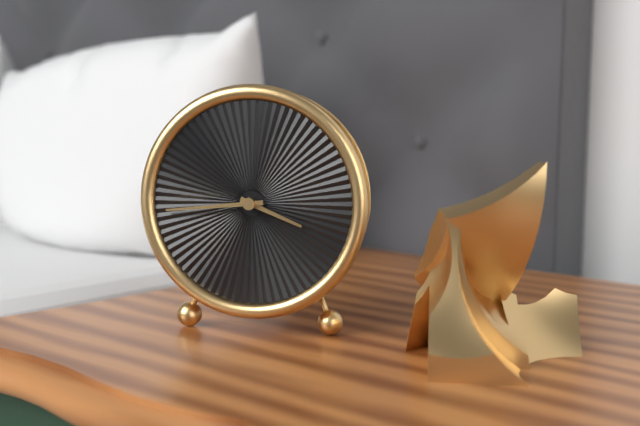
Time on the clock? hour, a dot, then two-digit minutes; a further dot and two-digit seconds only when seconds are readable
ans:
3.44
